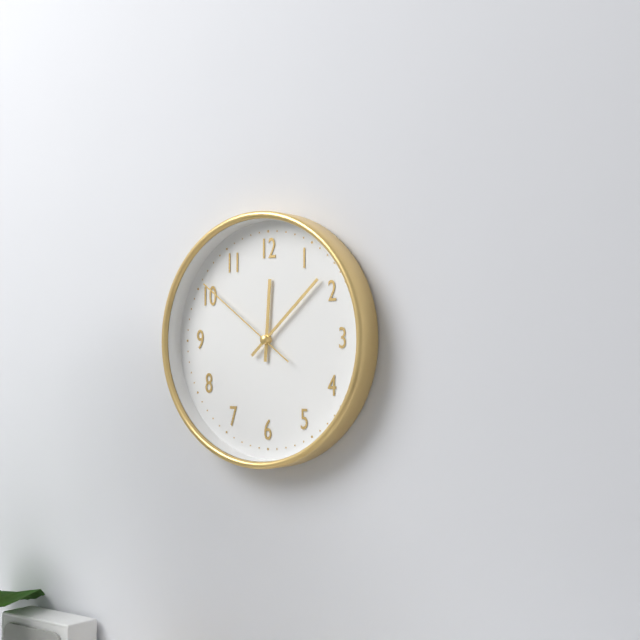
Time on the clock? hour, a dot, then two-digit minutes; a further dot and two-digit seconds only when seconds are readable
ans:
12.08.51
